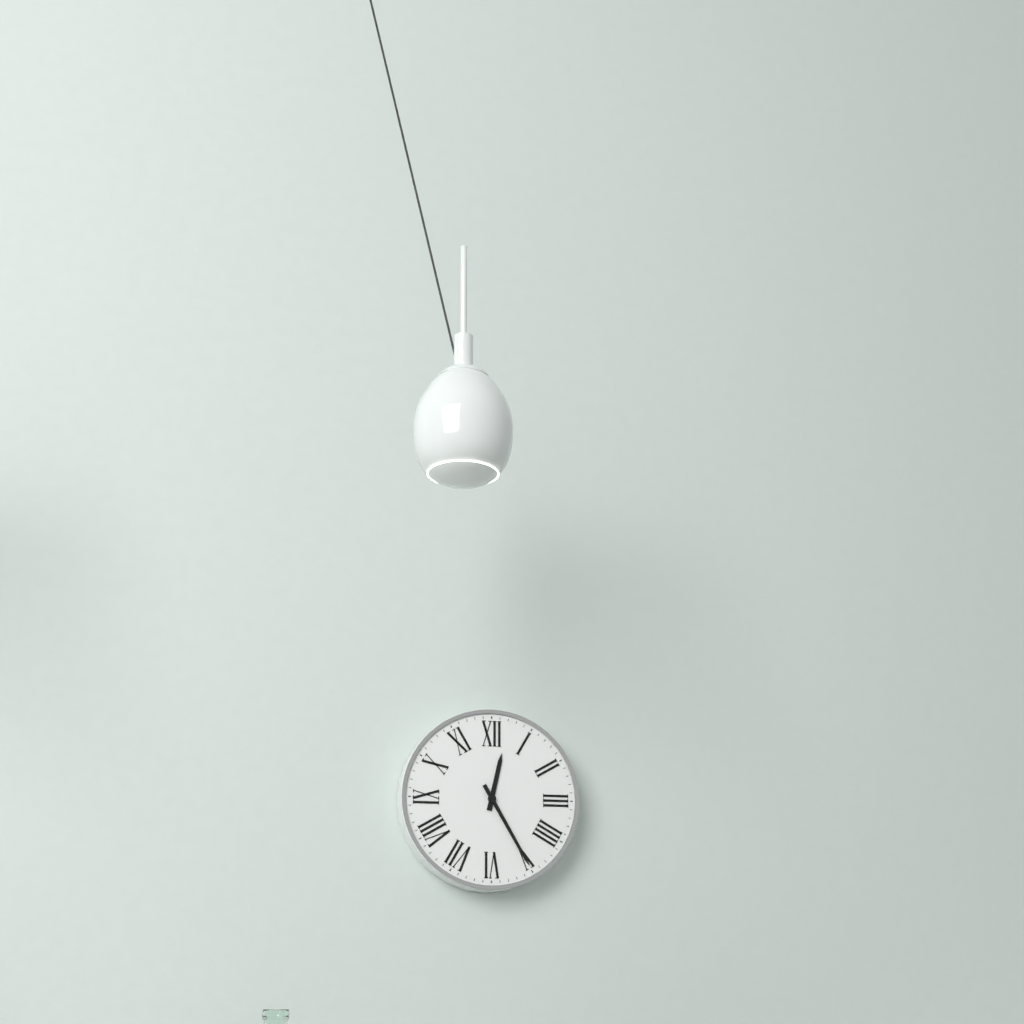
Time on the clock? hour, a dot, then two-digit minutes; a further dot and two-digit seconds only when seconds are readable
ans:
12.25
